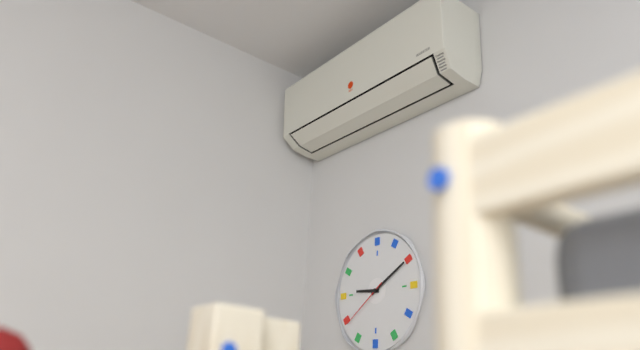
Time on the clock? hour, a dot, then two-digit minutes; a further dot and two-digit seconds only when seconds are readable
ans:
9.10.39
